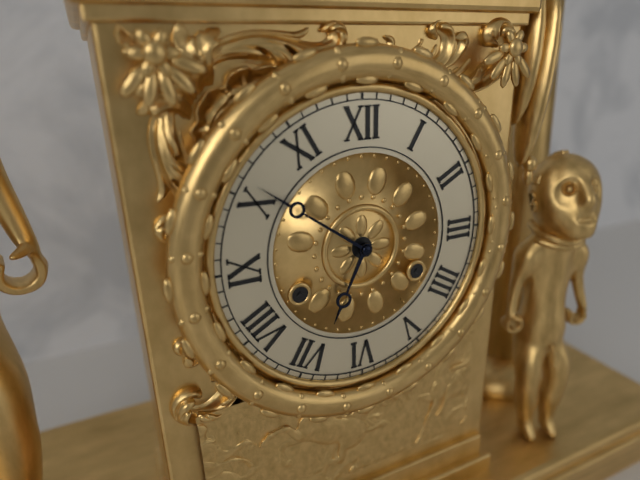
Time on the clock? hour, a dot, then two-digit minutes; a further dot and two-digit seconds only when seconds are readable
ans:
6.51
